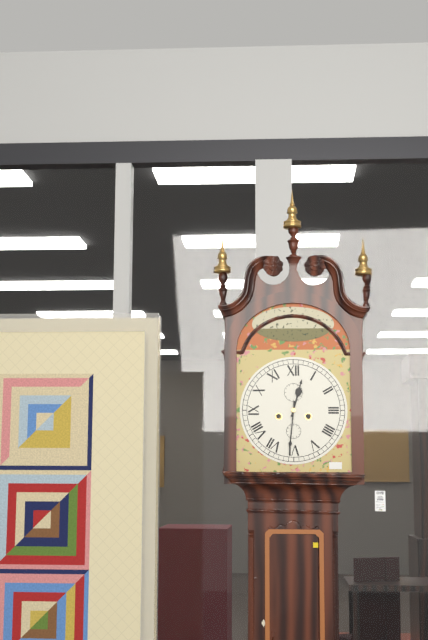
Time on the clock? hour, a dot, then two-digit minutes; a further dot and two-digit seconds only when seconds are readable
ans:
12.31
